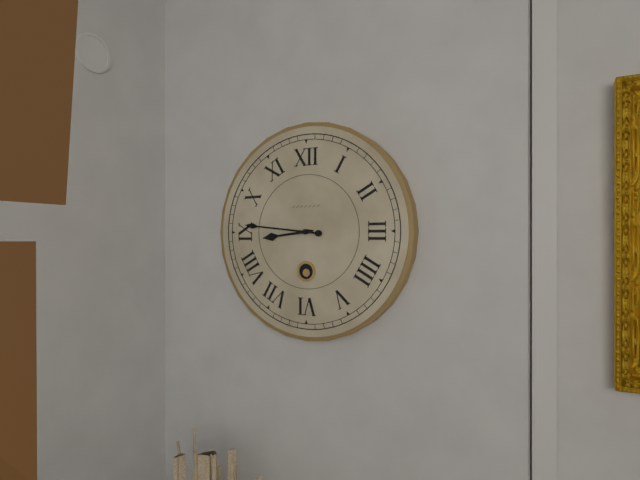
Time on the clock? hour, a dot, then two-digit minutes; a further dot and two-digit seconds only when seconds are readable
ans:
8.46
